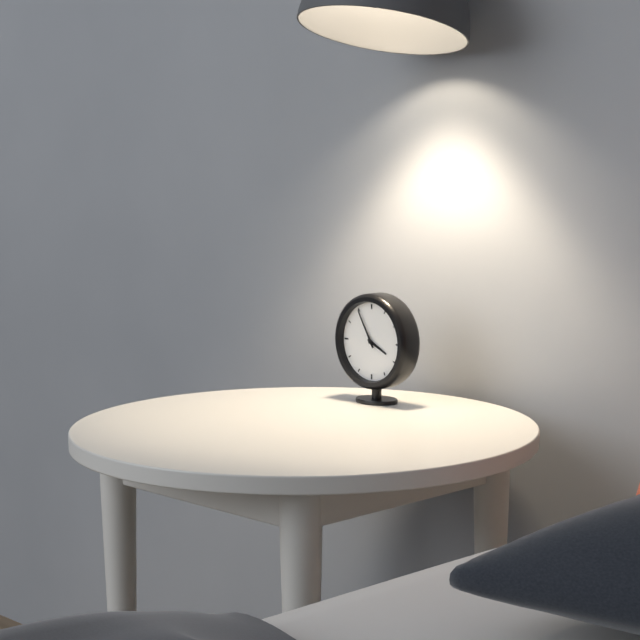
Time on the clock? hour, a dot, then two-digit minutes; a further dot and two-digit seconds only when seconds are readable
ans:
3.55
